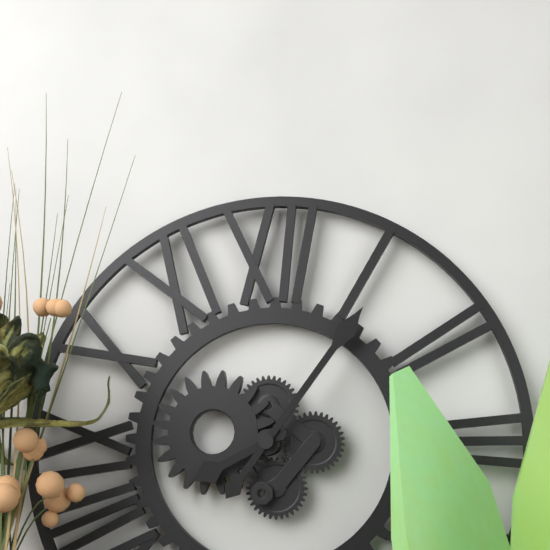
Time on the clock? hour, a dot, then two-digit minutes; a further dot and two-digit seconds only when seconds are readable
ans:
8.06
